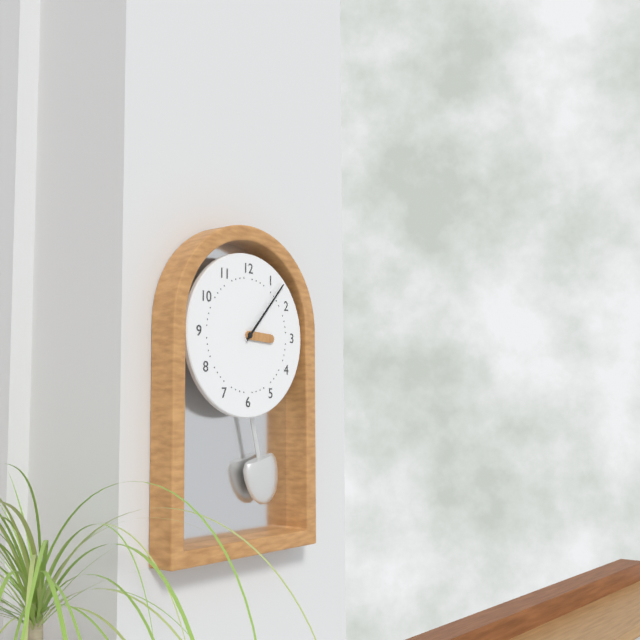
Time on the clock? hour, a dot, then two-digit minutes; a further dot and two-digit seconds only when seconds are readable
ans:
3.07
